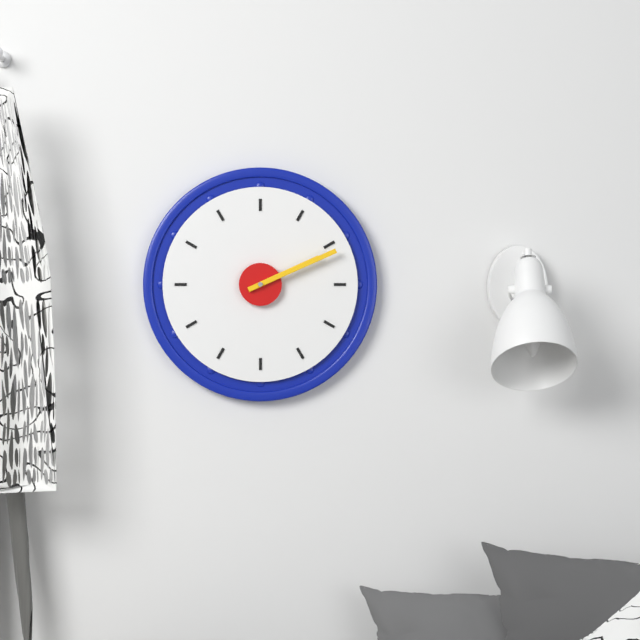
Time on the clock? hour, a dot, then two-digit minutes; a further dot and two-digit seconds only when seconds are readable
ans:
2.11
